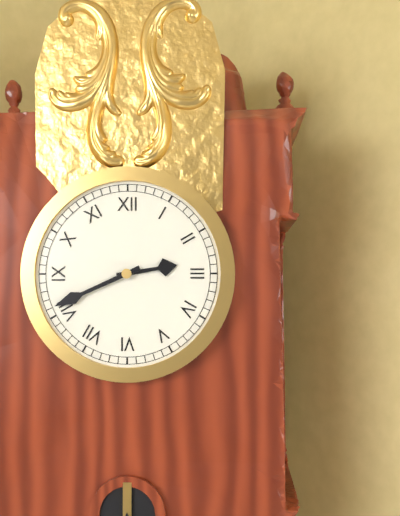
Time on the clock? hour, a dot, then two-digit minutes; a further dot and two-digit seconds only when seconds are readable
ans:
2.41
